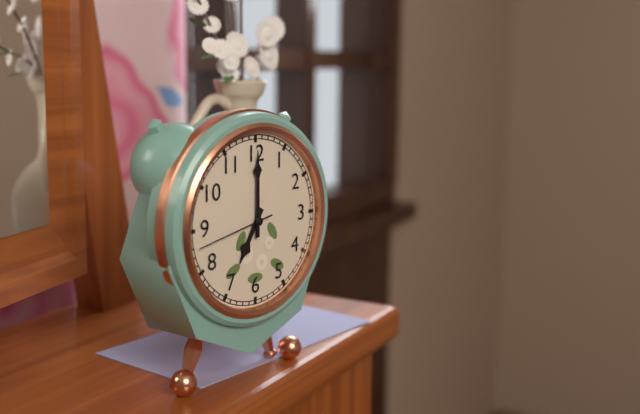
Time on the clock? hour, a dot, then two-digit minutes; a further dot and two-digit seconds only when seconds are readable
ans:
7.00.43
